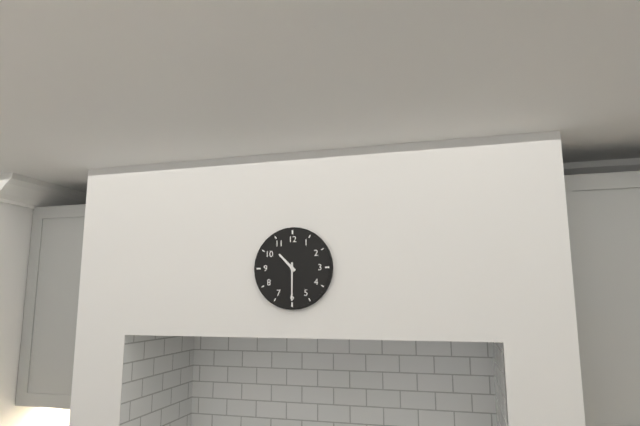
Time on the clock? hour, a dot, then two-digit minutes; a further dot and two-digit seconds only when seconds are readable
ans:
10.30
